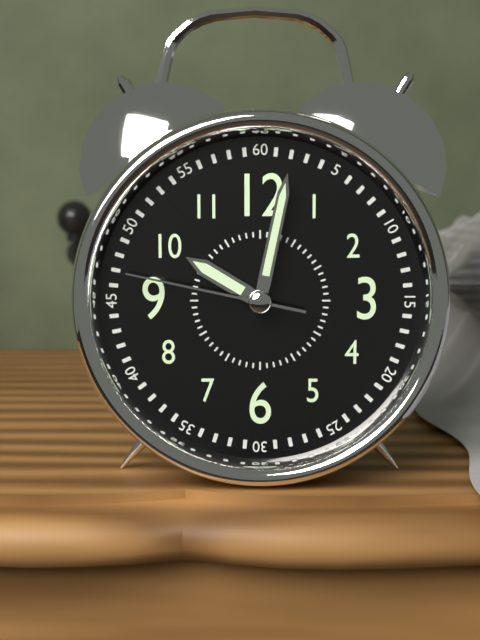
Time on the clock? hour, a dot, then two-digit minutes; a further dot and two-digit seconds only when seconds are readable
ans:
10.02.47
